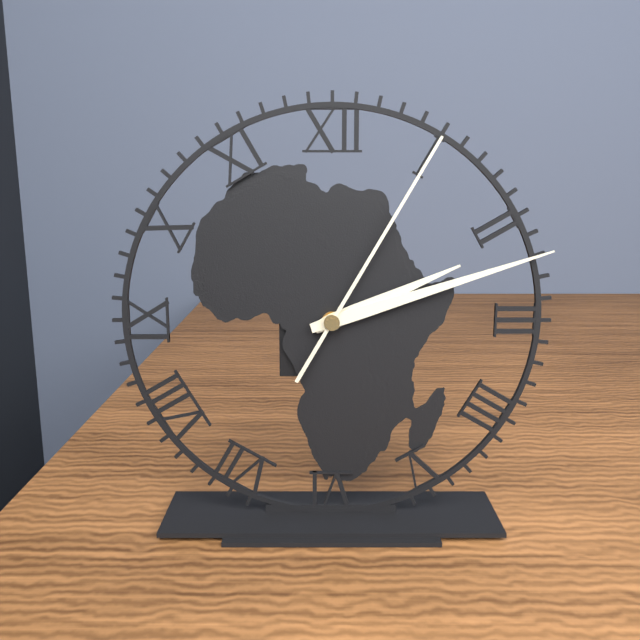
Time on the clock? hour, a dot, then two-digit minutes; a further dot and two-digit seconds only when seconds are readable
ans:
2.12.05
